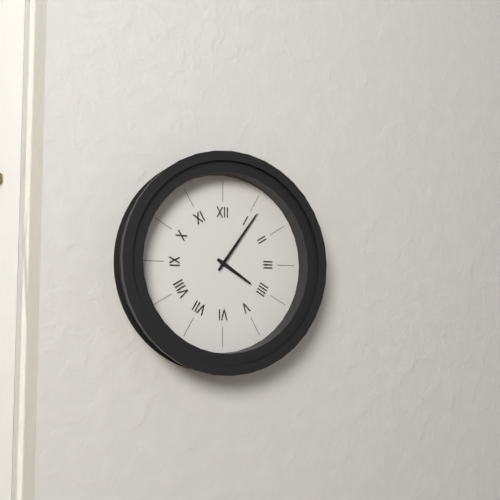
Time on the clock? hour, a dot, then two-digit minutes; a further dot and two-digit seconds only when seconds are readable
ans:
4.06
